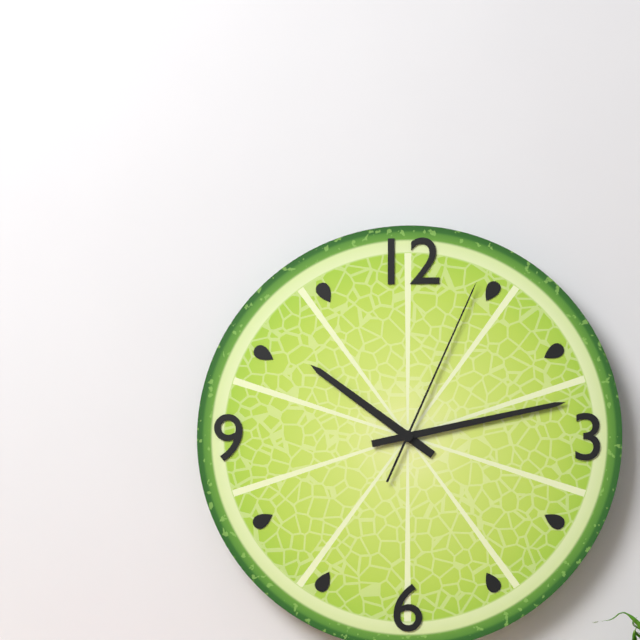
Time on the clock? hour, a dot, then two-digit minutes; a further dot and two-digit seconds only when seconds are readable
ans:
10.13.04
